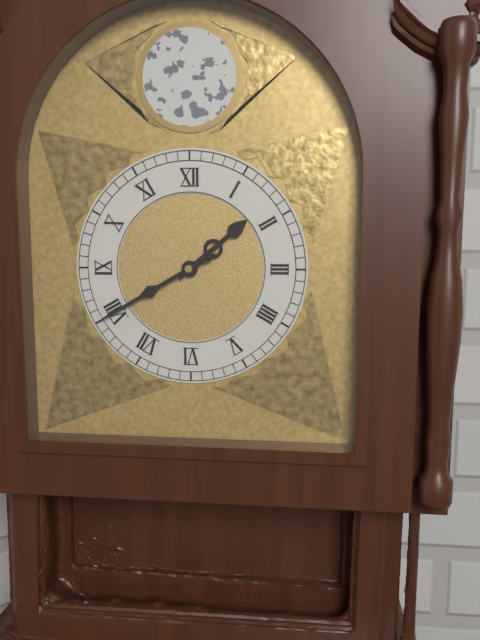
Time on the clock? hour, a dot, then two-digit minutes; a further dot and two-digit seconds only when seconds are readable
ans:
1.40
